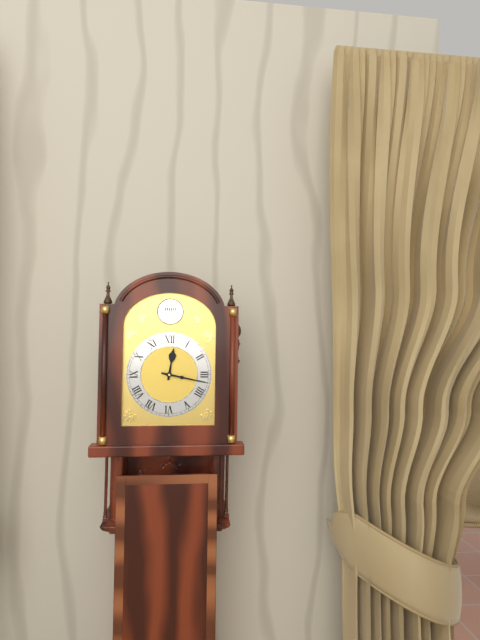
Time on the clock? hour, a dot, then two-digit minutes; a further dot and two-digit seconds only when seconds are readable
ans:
12.17
